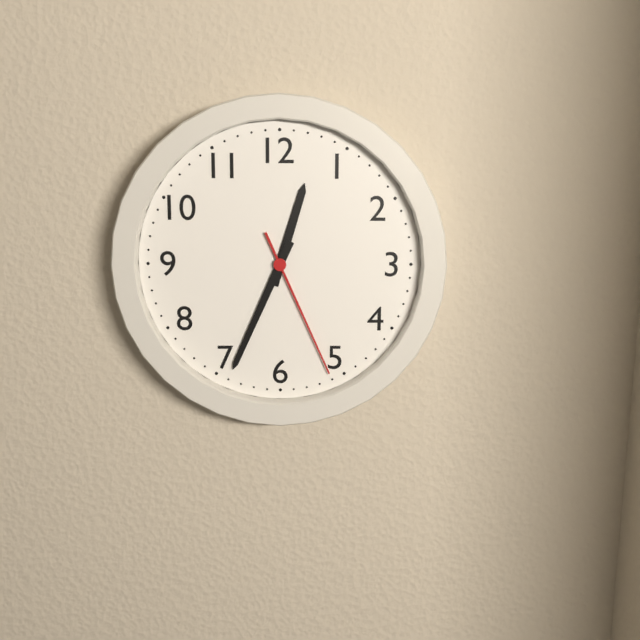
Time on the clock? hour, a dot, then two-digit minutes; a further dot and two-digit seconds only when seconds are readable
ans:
12.34.26
